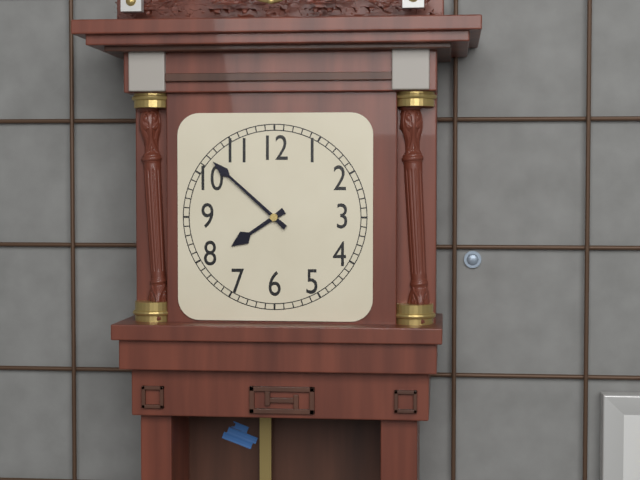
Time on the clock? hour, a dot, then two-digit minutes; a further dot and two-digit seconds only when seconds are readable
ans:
7.52
